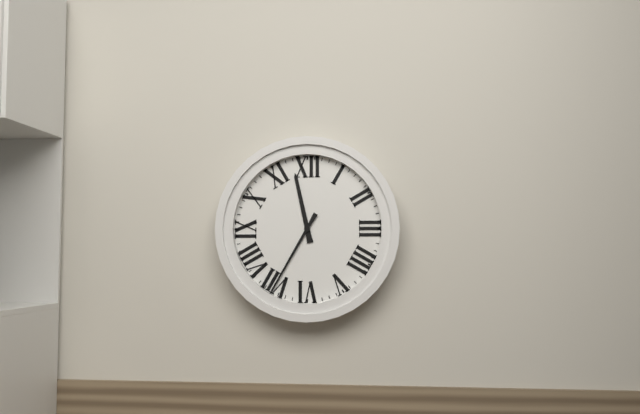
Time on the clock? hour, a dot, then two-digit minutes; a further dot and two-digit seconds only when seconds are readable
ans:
11.35
